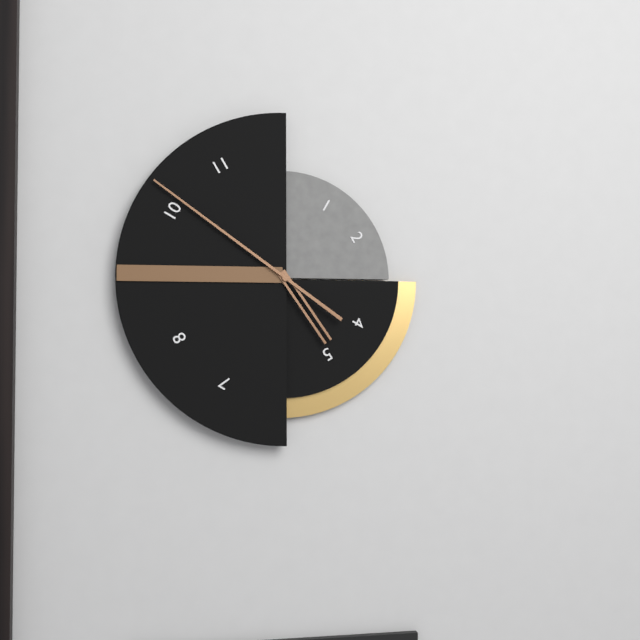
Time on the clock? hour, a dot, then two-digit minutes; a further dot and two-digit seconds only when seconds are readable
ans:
4.51
